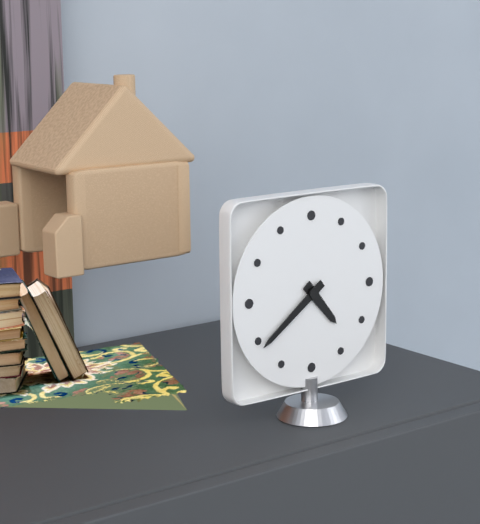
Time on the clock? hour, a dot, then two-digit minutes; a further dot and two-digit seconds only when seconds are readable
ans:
4.39
